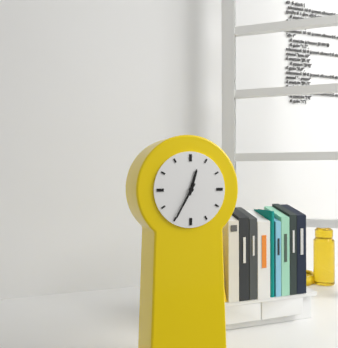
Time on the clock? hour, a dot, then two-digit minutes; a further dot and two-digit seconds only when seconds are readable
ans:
12.35
